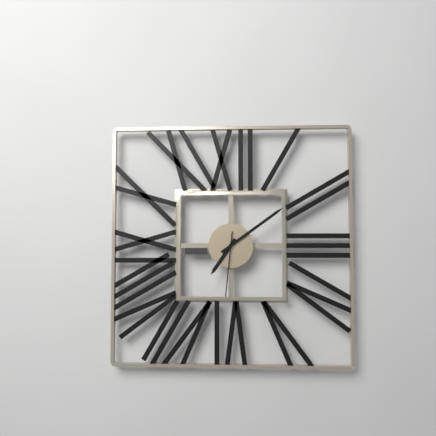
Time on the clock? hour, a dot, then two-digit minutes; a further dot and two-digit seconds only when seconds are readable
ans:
7.09.31
